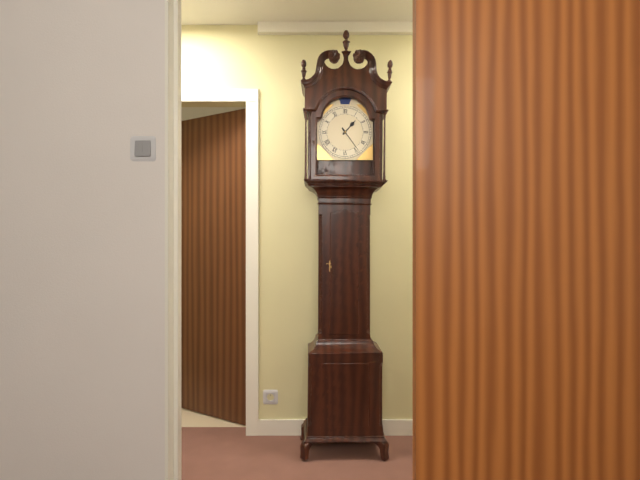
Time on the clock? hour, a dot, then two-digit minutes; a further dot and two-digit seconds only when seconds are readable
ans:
1.24
